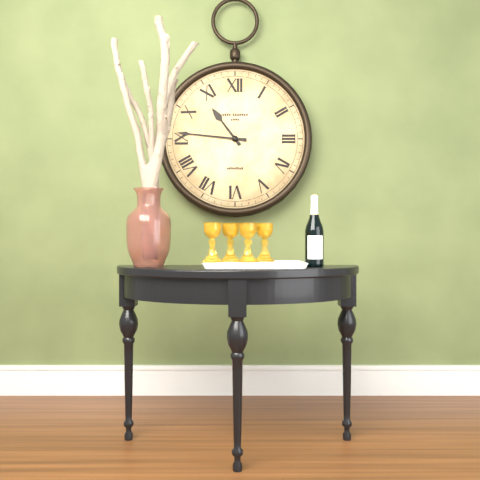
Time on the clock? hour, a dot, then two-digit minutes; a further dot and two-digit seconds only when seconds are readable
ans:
10.46
